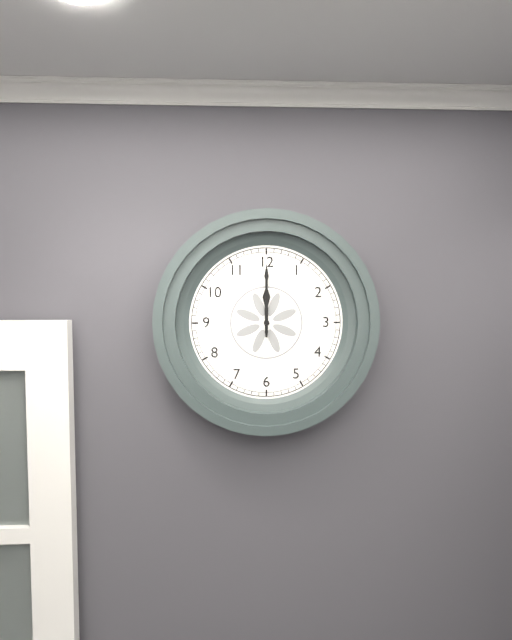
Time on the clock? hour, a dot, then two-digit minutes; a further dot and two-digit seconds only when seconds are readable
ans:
12.00
